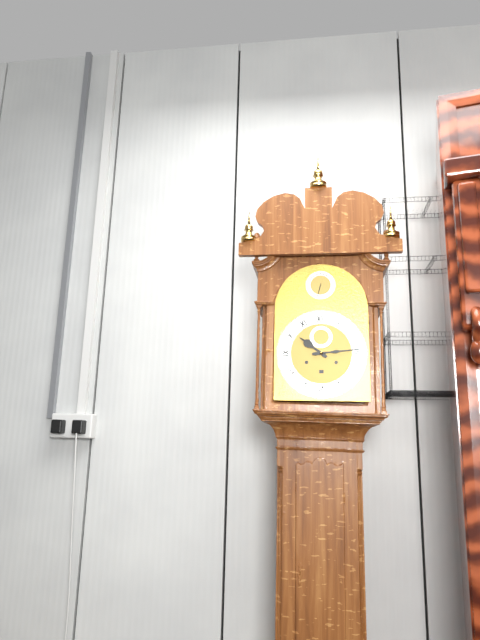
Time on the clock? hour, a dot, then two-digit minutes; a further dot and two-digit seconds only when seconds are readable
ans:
10.14
